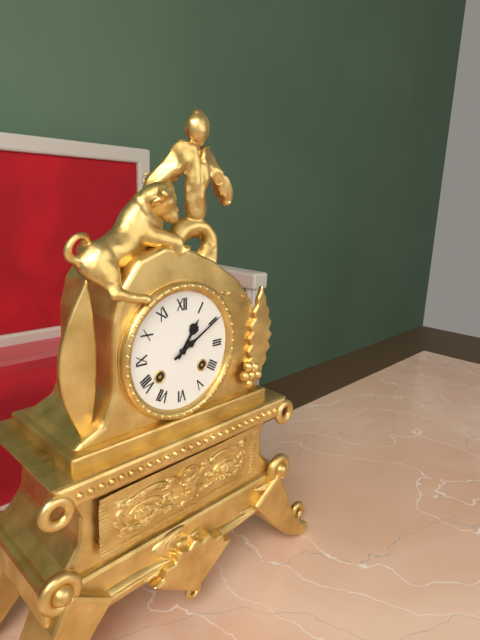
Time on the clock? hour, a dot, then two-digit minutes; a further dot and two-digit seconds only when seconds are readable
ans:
1.10
